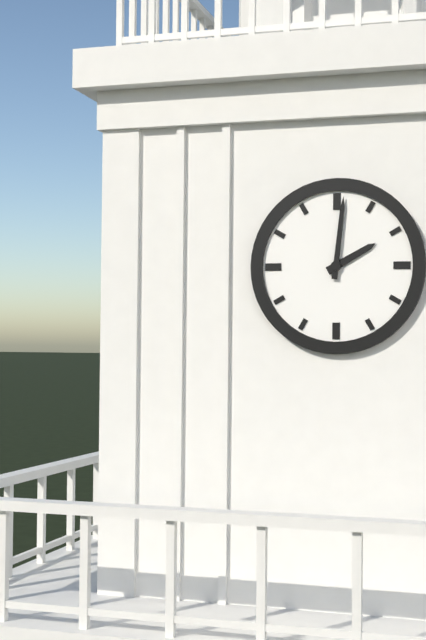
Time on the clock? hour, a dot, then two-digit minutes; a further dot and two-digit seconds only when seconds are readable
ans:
2.01
